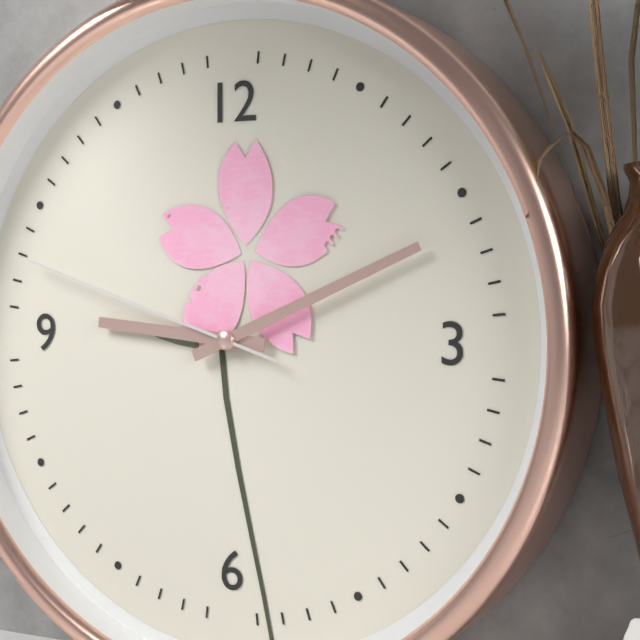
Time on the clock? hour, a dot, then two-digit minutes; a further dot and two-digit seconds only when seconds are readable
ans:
9.11.48
